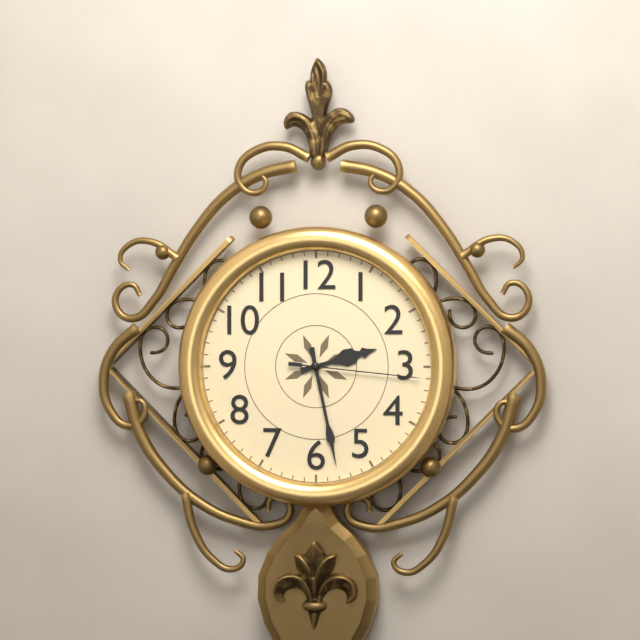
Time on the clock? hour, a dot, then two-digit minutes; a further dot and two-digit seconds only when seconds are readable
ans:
2.28.16
